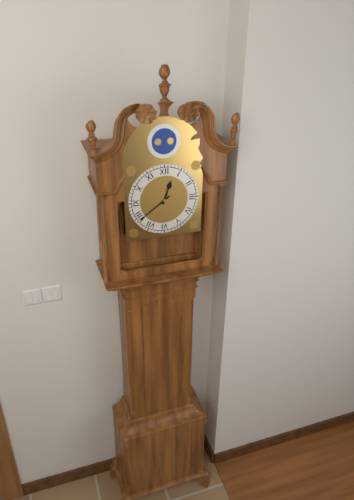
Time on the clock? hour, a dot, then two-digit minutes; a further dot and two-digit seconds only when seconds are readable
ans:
12.39
